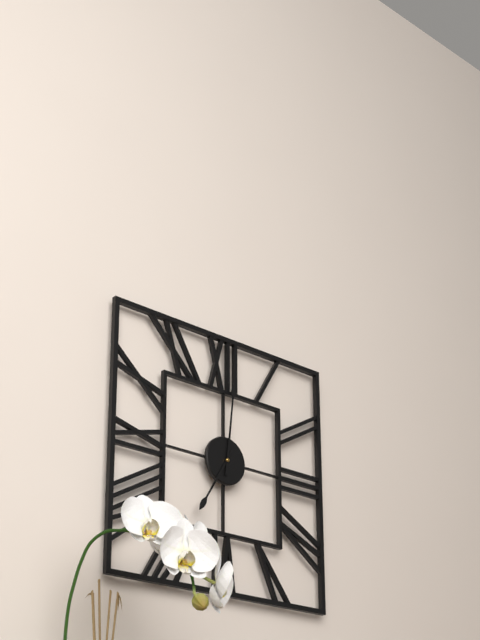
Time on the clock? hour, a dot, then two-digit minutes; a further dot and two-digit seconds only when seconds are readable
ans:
7.01
